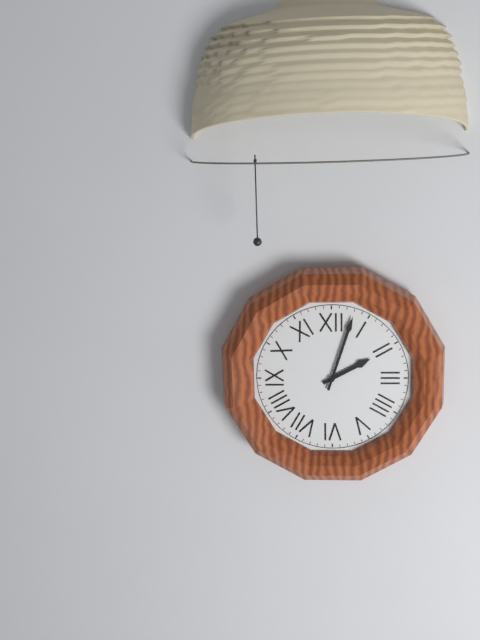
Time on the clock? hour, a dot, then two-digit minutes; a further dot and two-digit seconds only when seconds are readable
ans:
2.03
